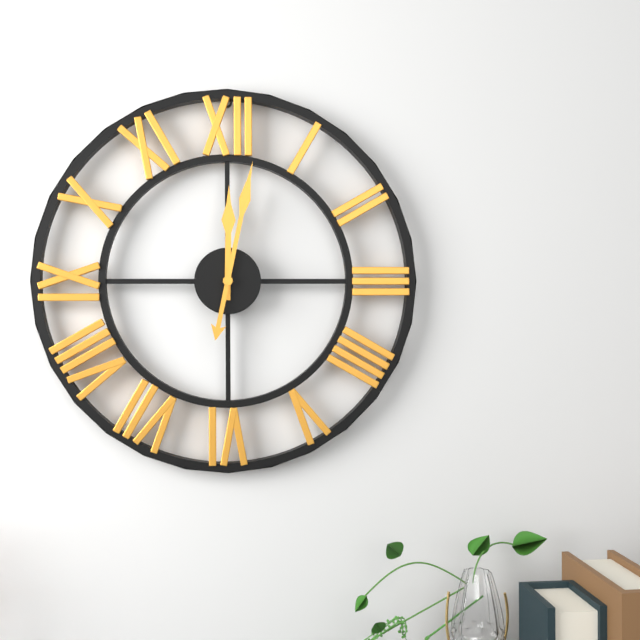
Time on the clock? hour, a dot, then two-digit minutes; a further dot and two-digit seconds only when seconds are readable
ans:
12.02
